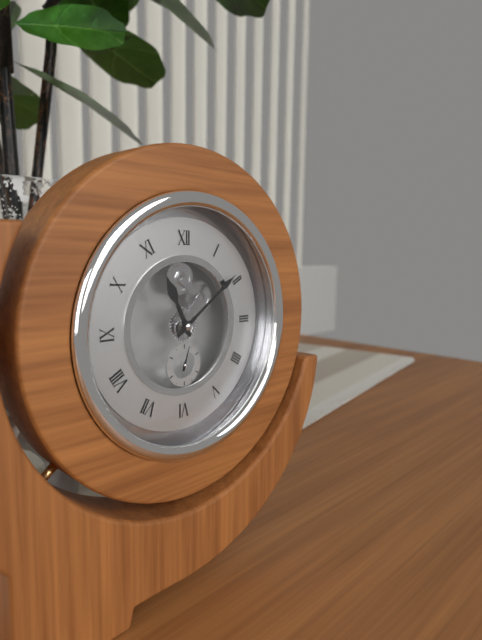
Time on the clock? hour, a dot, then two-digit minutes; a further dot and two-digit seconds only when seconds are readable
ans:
11.09
